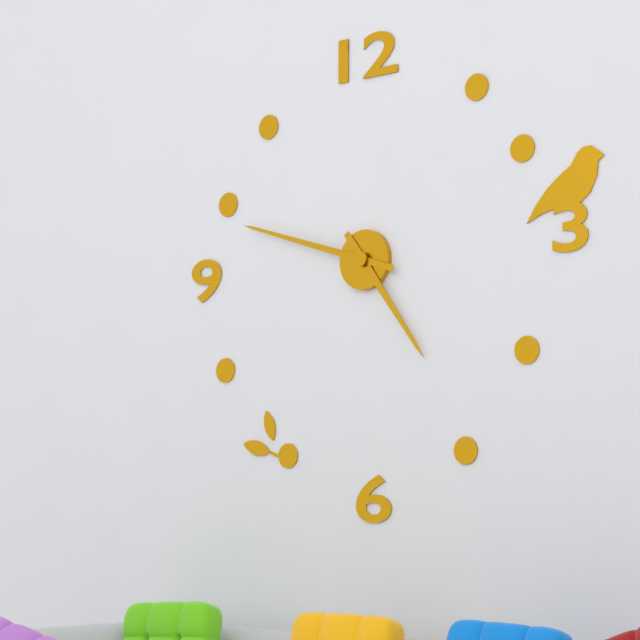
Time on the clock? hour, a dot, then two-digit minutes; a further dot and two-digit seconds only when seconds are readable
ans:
4.48
